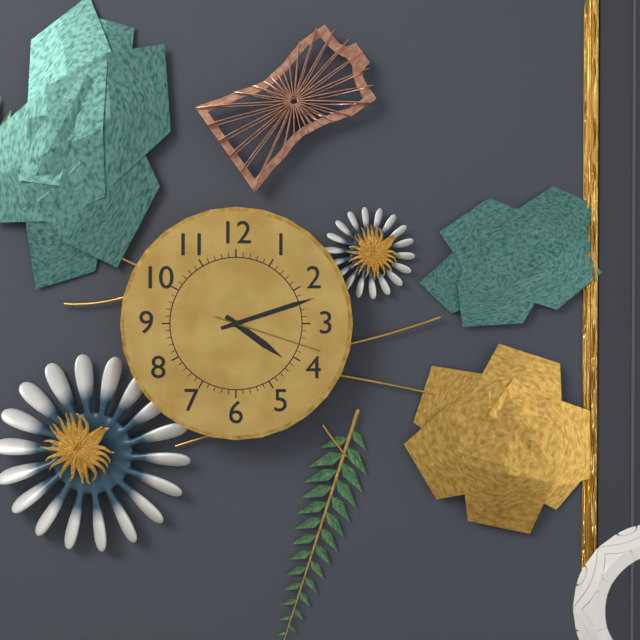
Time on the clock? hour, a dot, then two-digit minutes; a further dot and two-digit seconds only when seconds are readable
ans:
4.12.18
